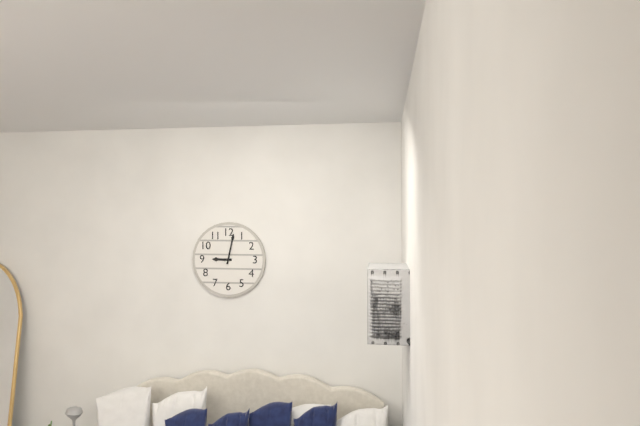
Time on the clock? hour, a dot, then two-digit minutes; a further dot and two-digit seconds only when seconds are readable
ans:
9.02
